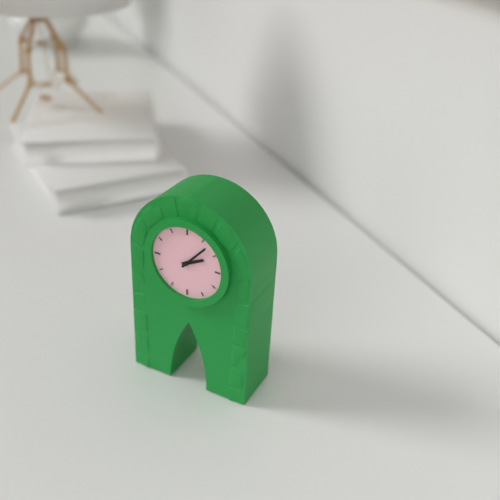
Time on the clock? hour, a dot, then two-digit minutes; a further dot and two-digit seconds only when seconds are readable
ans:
2.07
